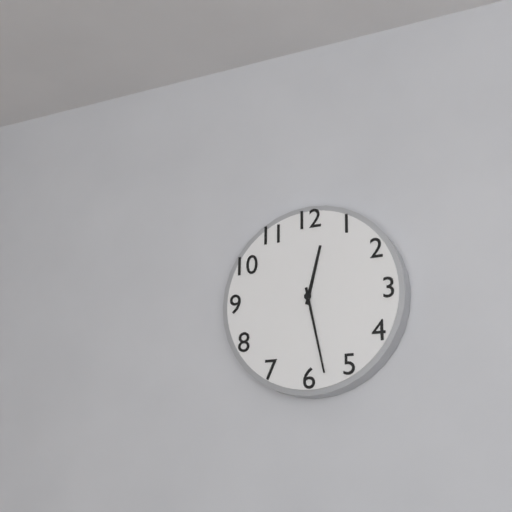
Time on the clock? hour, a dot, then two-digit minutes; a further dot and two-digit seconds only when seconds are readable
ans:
12.28
